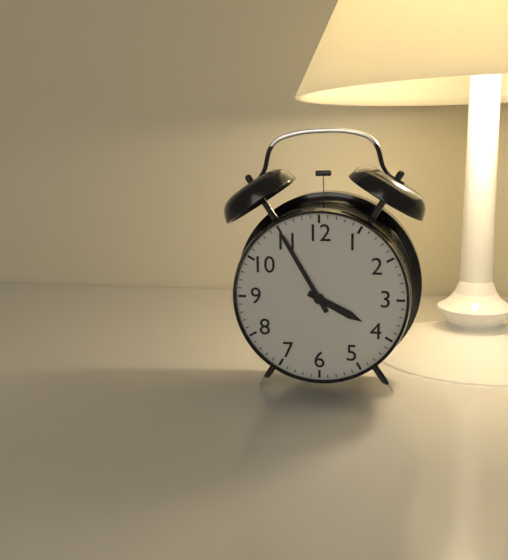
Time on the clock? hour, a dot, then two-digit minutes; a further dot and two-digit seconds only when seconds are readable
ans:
3.55
